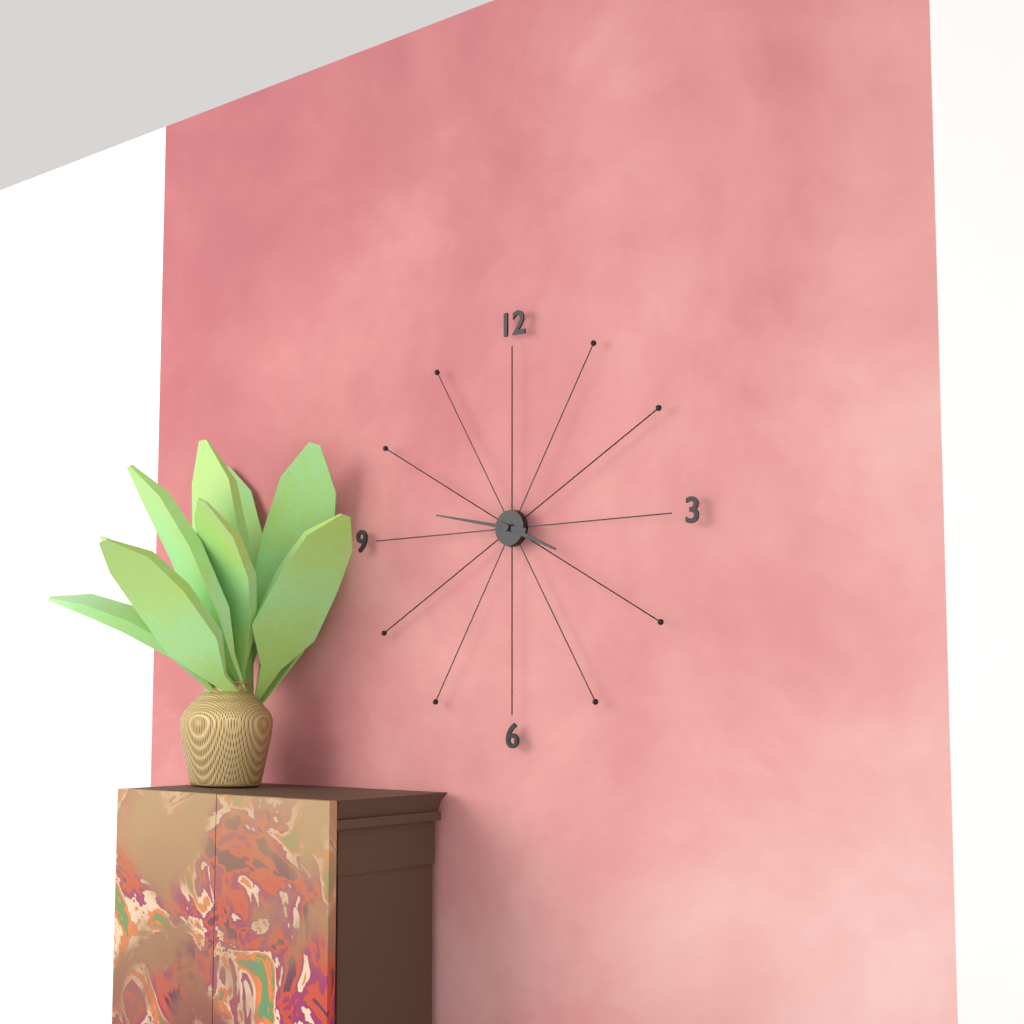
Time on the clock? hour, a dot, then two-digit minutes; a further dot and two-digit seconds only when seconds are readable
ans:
3.47
